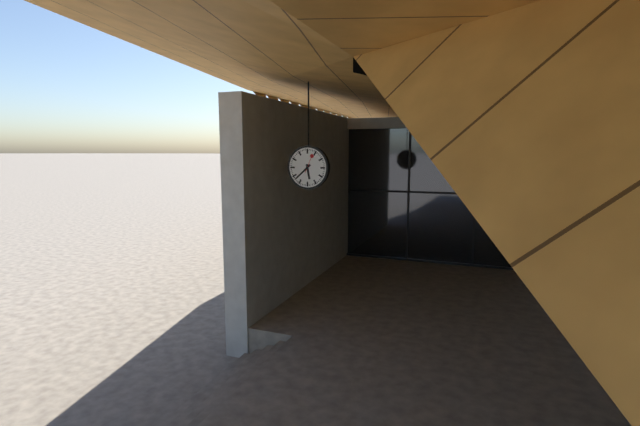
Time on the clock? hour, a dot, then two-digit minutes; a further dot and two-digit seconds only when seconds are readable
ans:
5.38
